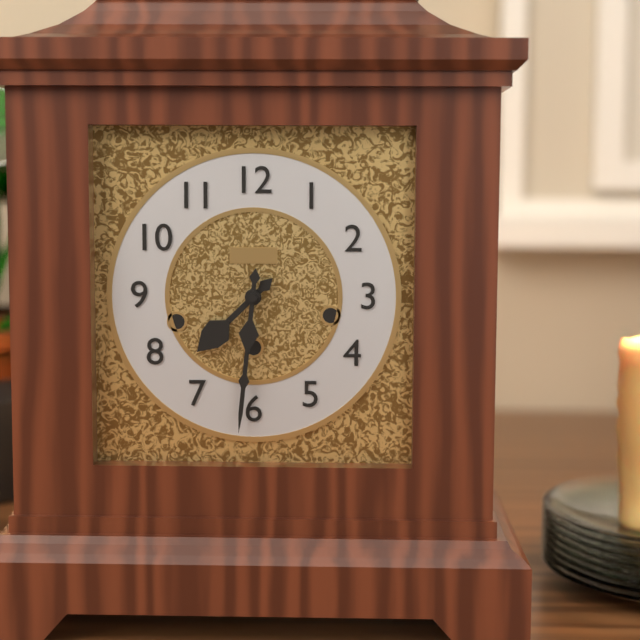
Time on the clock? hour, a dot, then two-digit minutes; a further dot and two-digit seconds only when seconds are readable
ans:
7.31
